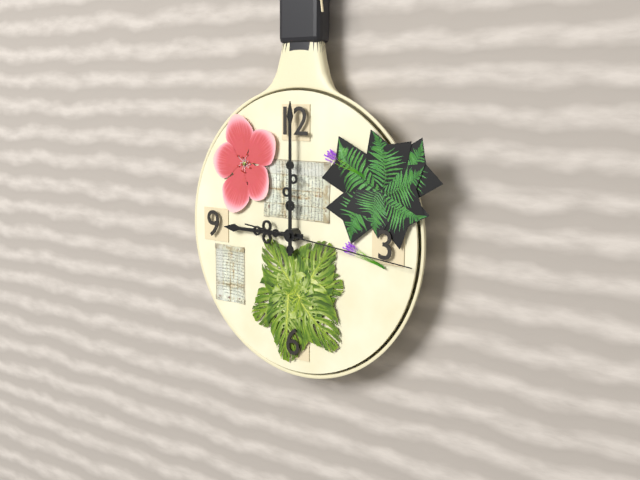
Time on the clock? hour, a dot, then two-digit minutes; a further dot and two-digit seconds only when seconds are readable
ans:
9.00.16
